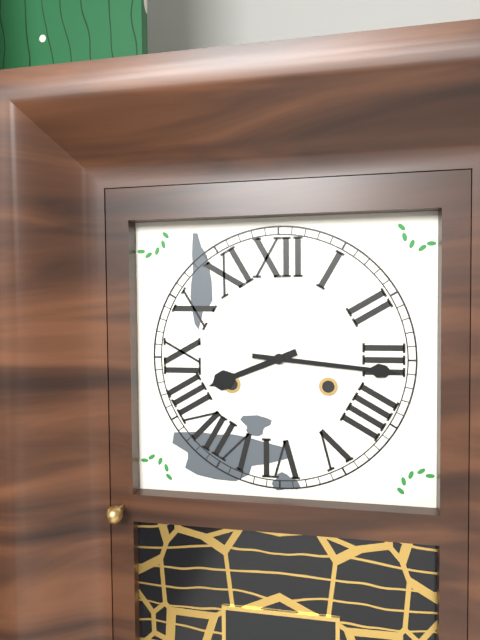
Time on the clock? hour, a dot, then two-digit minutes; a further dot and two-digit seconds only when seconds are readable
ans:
8.16
